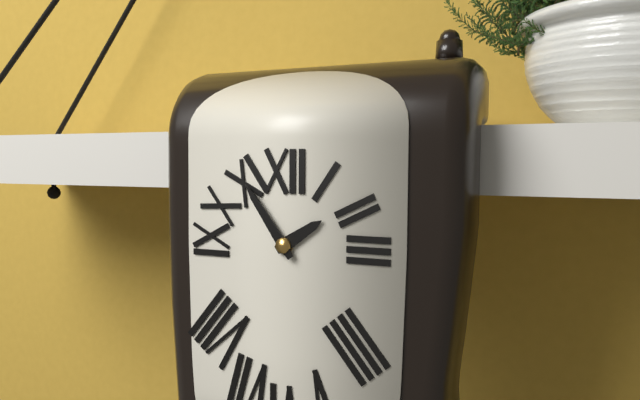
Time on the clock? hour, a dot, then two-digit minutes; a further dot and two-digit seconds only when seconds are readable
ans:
1.54
